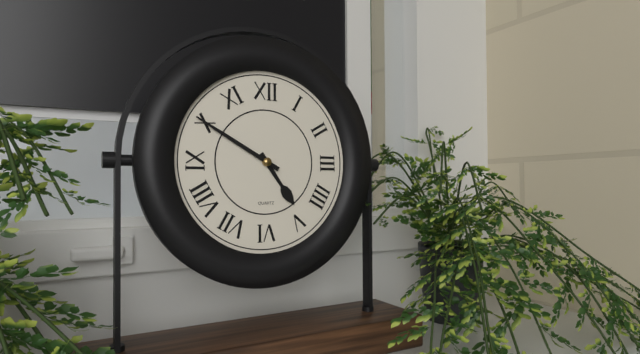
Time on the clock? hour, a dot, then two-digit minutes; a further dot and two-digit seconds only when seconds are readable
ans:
4.50
